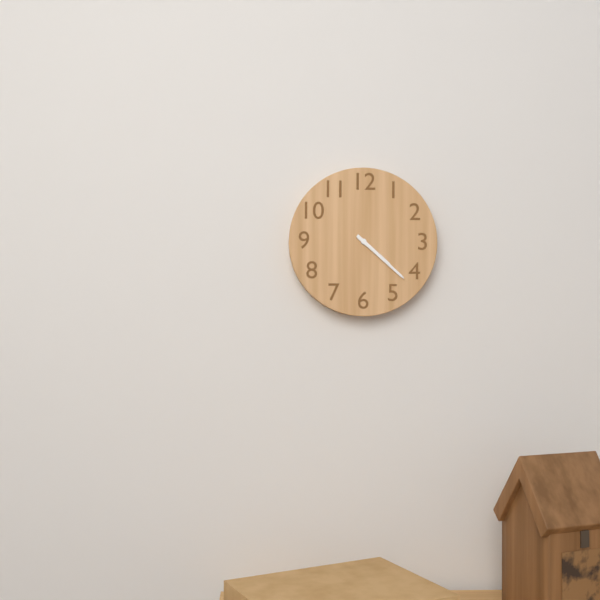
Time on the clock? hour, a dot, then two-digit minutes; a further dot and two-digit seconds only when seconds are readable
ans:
4.22
